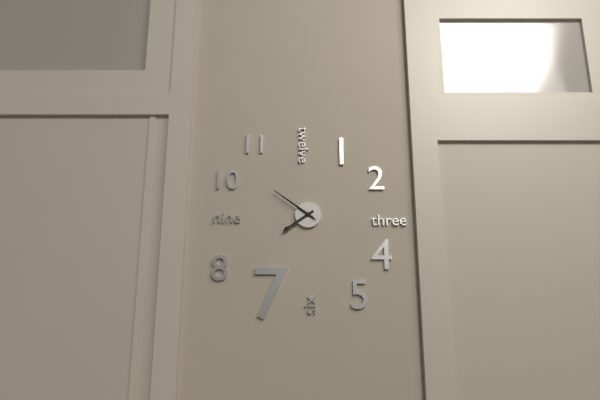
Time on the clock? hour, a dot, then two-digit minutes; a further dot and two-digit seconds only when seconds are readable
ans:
7.51
